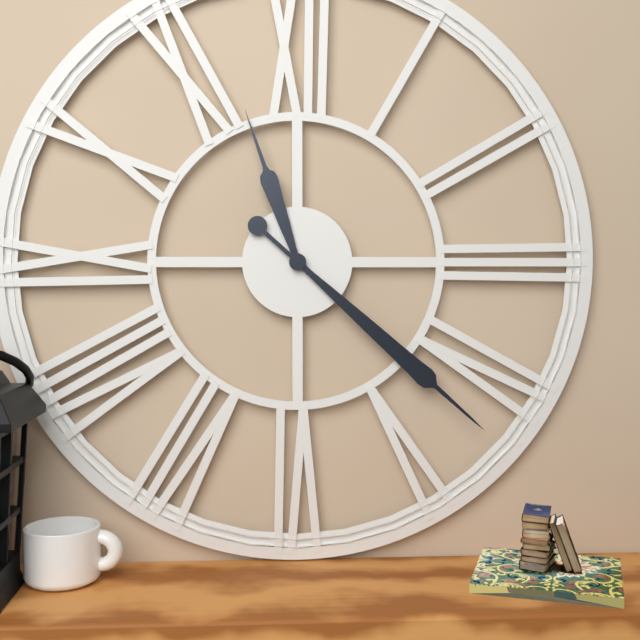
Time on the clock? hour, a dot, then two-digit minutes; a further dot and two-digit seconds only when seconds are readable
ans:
11.22
